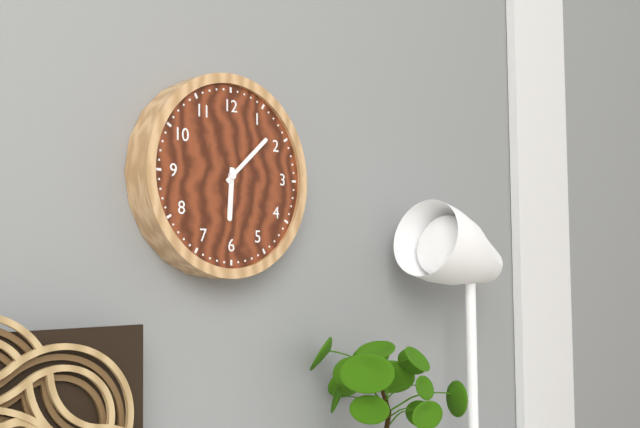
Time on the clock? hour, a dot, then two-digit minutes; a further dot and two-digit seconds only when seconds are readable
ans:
6.08
